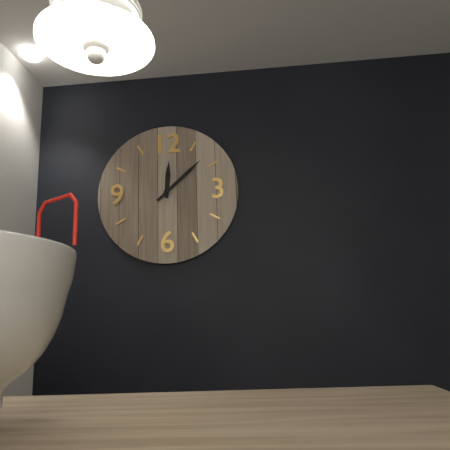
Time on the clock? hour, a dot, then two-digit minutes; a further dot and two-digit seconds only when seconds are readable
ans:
12.08
